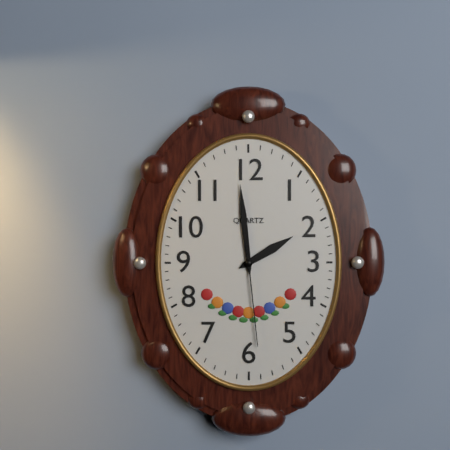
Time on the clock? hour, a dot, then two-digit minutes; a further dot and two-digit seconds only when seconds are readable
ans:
1.59.29
